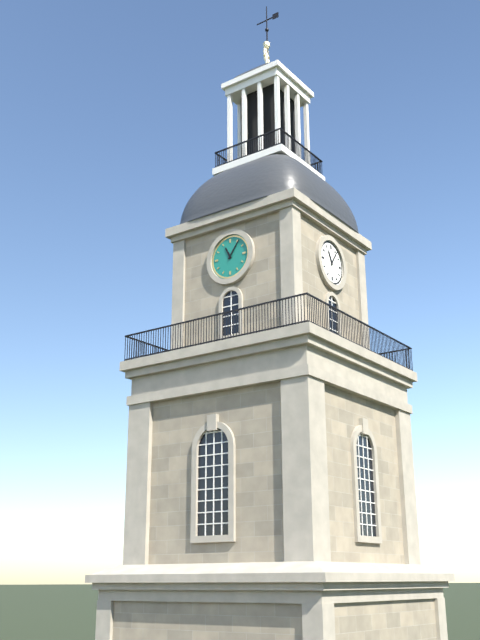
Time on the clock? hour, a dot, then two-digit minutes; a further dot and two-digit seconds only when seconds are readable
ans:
11.06
